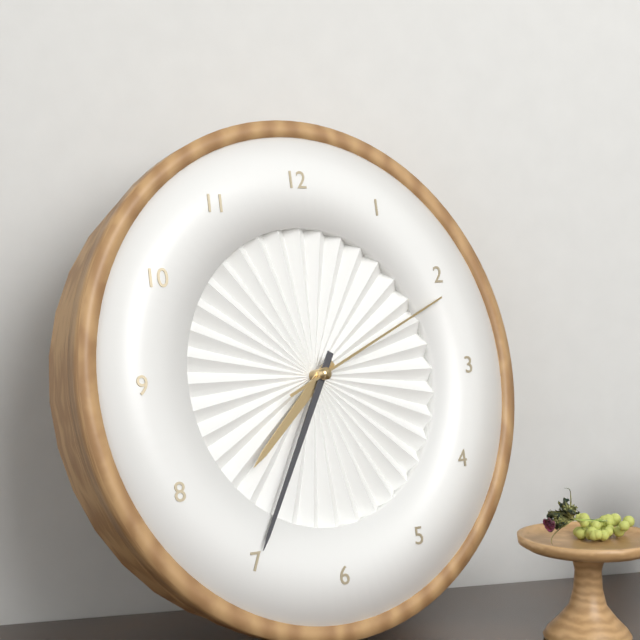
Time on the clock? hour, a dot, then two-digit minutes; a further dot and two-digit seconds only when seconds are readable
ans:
7.35.11
